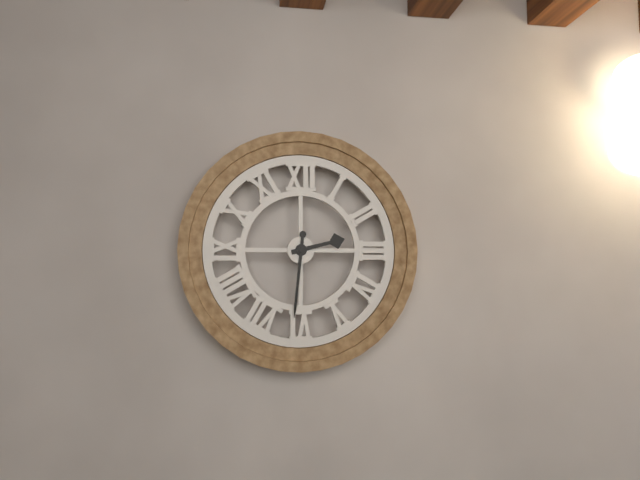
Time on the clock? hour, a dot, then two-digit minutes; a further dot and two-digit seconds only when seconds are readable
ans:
2.31
